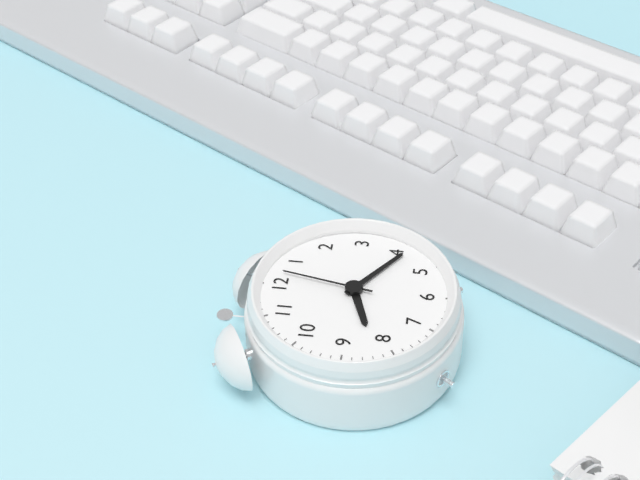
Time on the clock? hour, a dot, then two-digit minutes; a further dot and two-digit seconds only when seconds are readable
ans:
8.21.02
